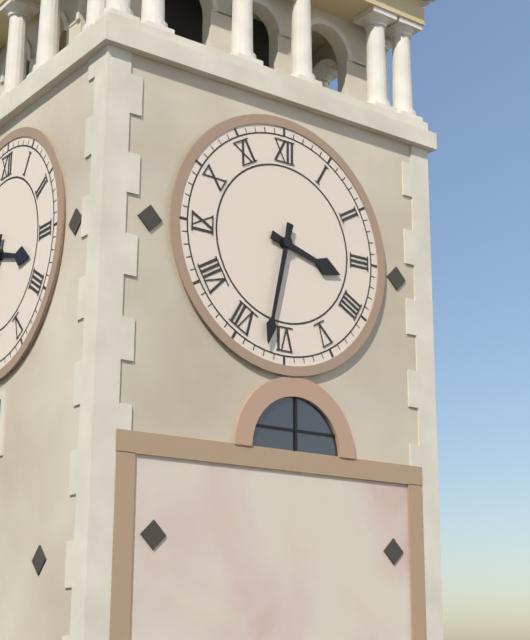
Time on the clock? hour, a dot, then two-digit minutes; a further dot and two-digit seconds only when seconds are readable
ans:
3.32
